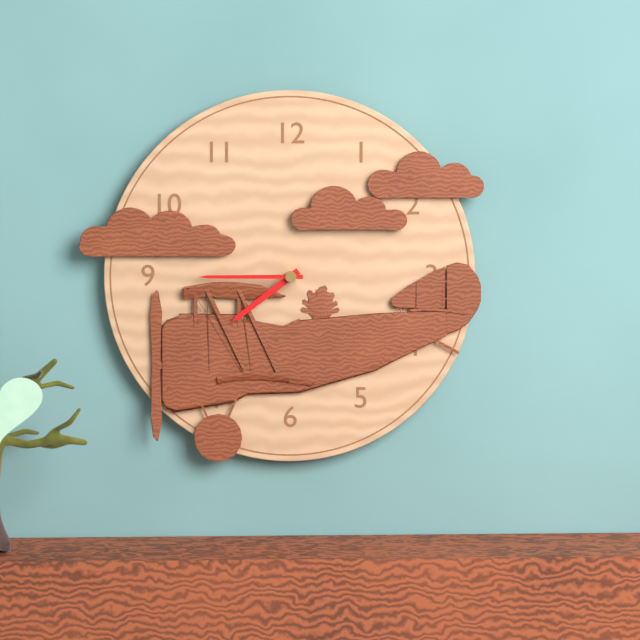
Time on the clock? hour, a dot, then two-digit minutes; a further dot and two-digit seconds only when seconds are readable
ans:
7.45
